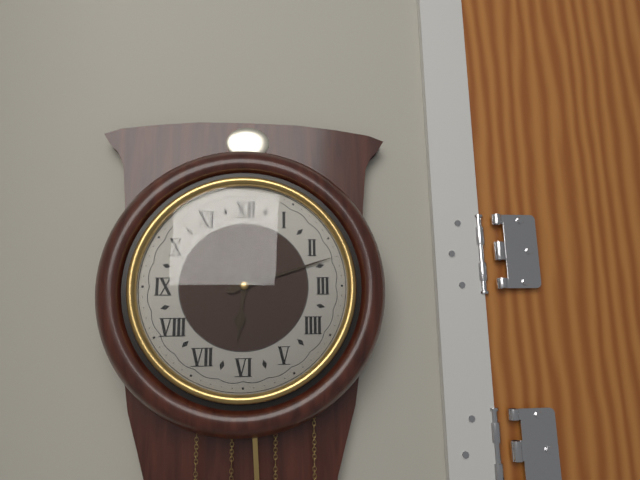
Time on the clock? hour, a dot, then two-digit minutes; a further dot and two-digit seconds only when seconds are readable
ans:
6.12
